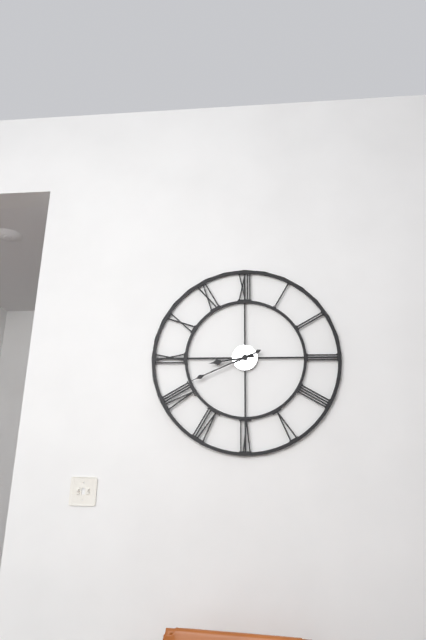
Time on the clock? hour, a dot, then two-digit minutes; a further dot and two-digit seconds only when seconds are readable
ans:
8.41
